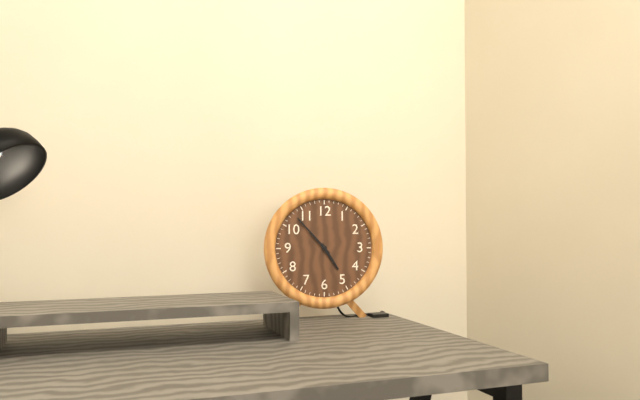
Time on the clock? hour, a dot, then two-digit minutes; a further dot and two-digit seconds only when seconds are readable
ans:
4.53
